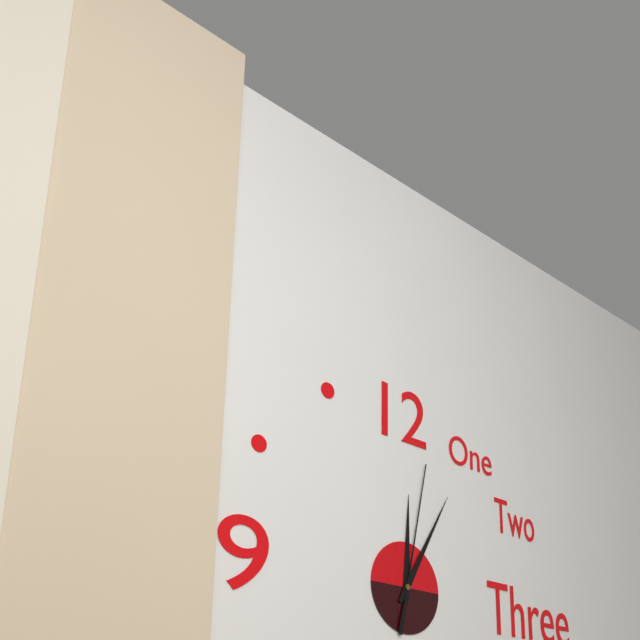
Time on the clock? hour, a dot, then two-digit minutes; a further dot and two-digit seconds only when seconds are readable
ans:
12.05.02
